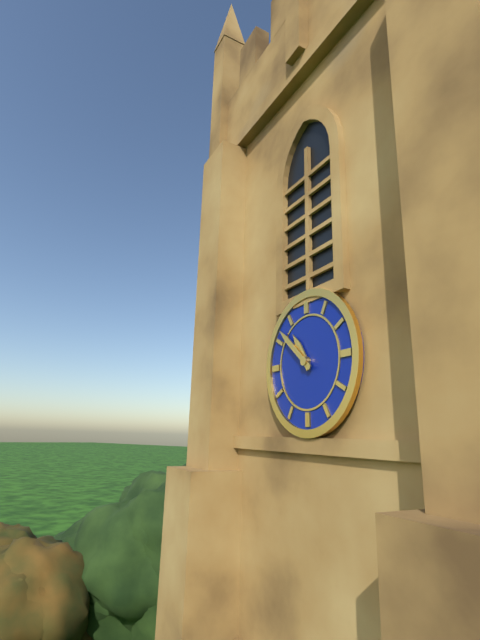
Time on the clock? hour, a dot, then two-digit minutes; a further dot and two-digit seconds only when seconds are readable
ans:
10.52
